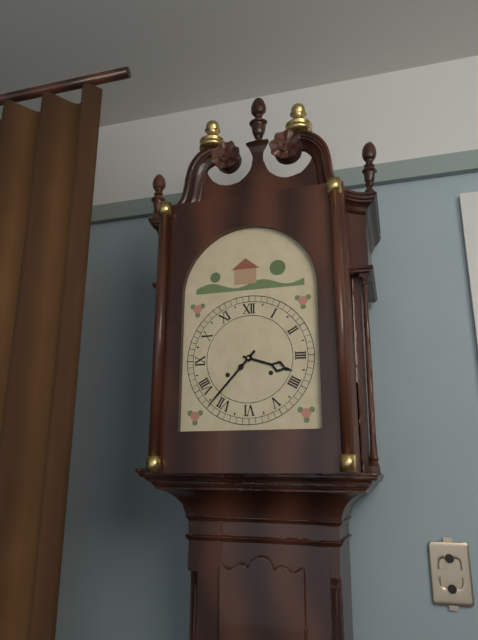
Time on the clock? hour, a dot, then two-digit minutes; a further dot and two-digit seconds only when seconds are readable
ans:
3.37
